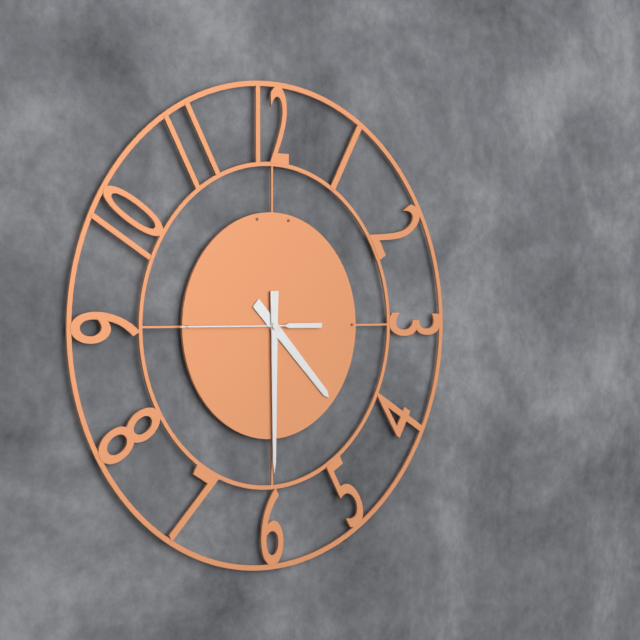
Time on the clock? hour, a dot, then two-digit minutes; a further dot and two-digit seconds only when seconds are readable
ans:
4.30.45
